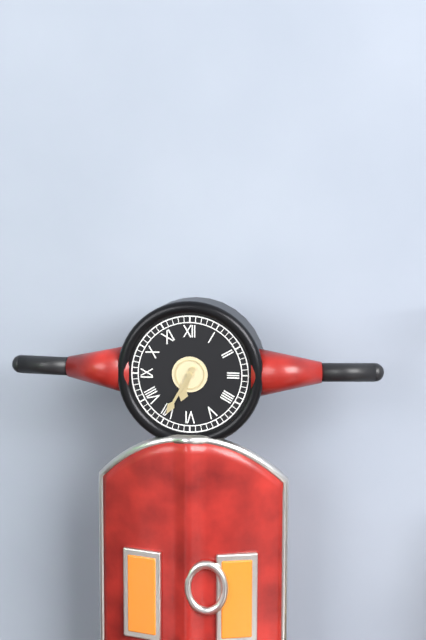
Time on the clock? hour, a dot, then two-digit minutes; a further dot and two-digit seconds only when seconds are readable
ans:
6.35
